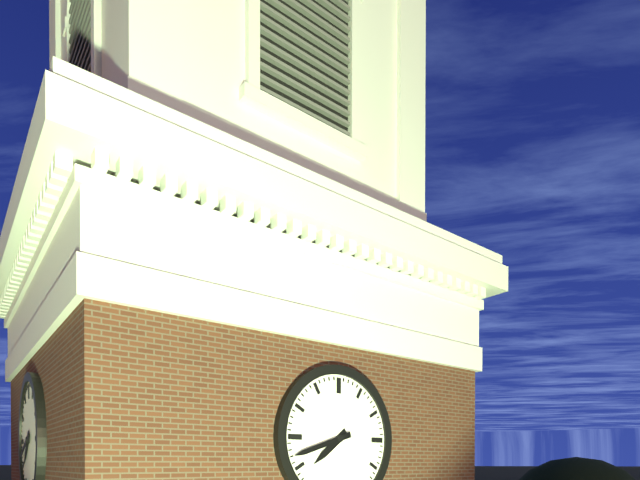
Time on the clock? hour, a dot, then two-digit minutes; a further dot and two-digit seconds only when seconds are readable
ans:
7.42
